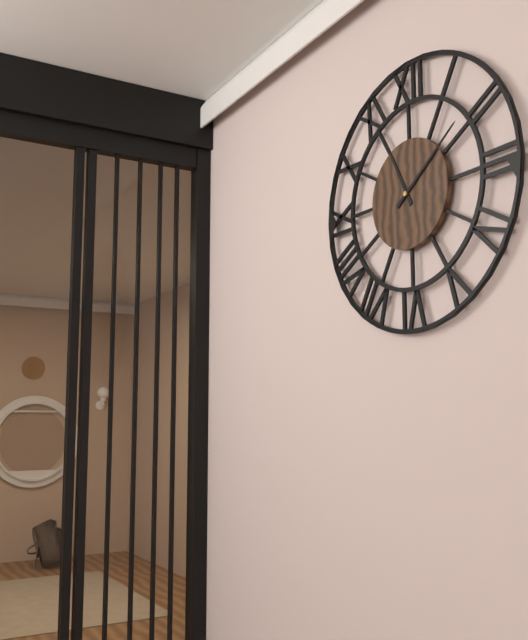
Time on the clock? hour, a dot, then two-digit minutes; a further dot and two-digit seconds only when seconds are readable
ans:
11.09
